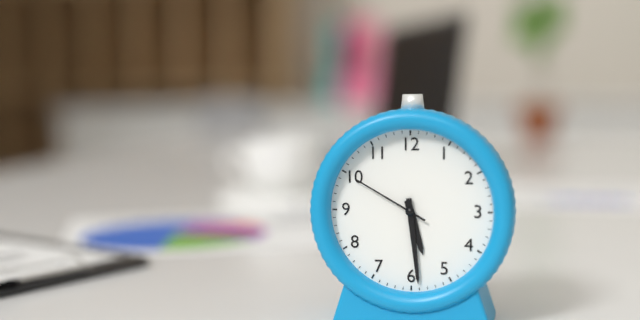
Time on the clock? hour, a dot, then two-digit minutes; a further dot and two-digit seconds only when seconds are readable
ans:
5.29.50
